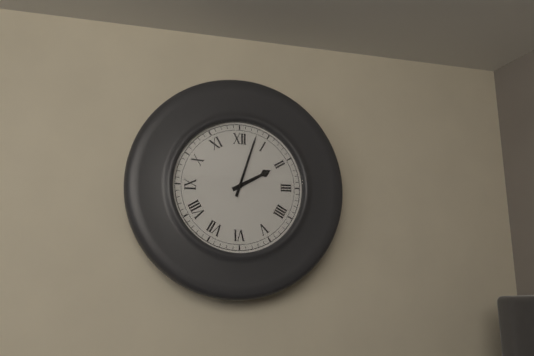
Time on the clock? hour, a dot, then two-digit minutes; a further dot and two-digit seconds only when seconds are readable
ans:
2.03
